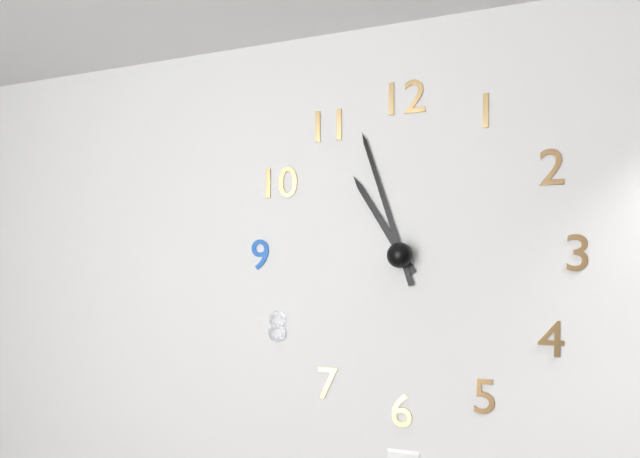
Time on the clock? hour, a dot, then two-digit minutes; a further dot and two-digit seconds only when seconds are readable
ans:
10.57
